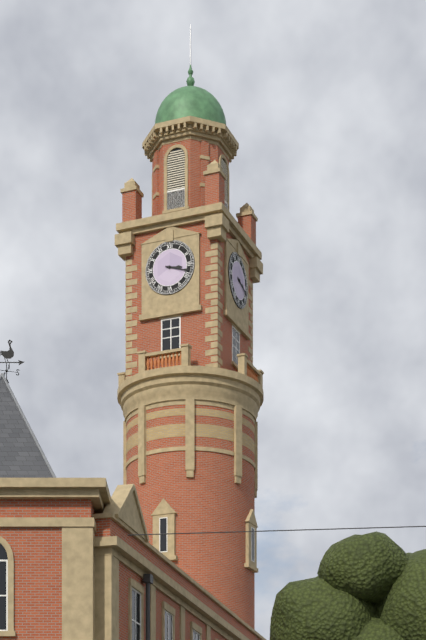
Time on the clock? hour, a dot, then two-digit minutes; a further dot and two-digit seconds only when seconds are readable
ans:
3.18
